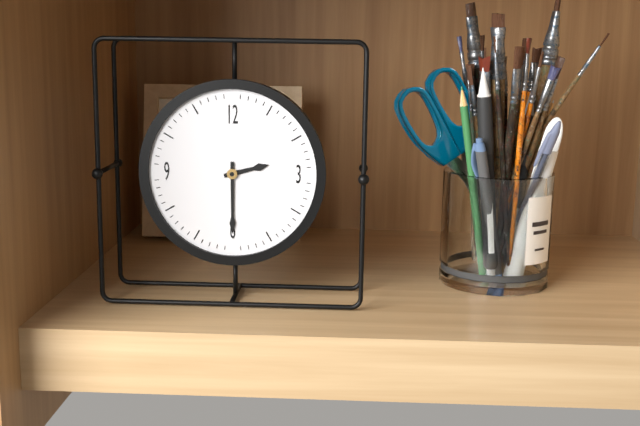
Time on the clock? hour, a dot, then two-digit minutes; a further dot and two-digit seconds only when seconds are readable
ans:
2.30
